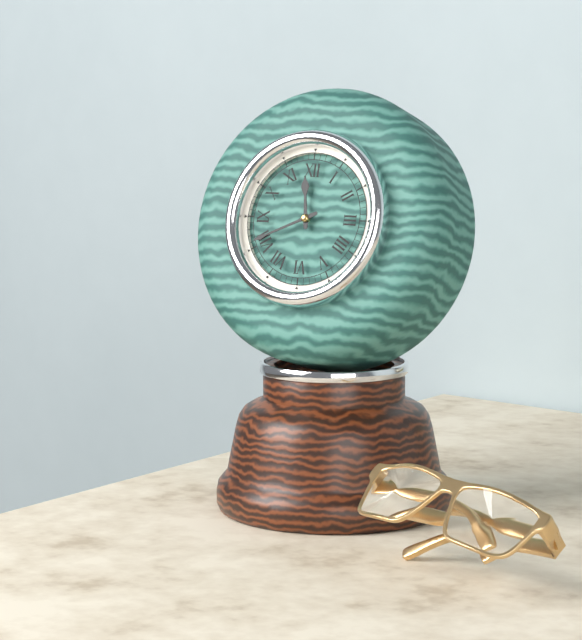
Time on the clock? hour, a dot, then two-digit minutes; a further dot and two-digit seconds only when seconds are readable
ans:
11.41
